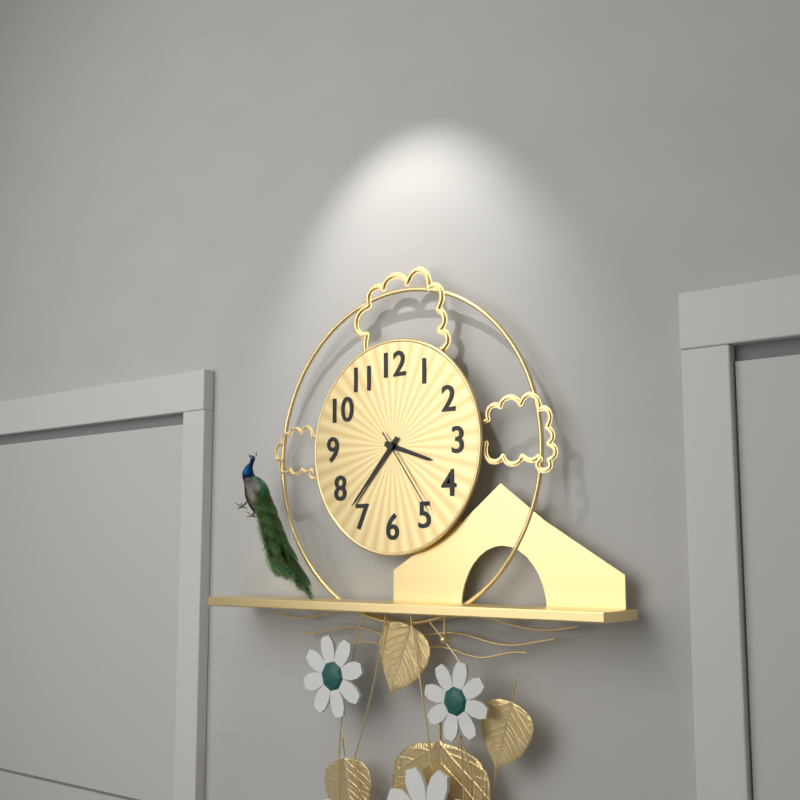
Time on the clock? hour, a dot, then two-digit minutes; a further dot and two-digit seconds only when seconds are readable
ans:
3.37.24
